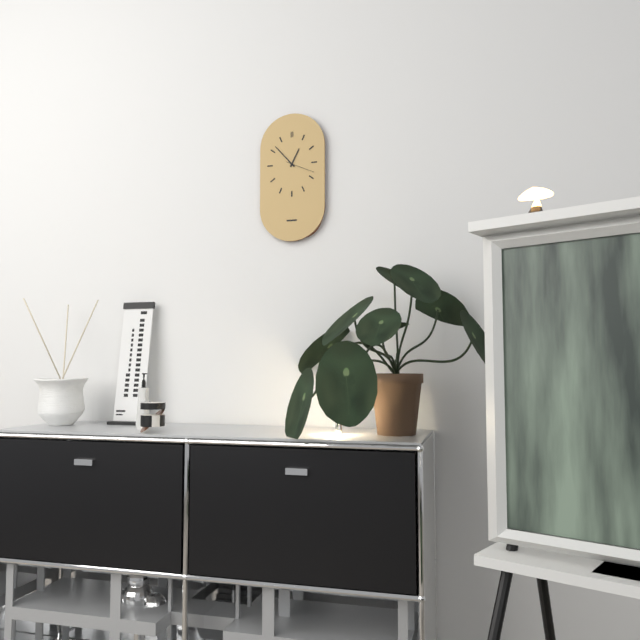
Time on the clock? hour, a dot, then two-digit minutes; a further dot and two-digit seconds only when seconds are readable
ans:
12.53
